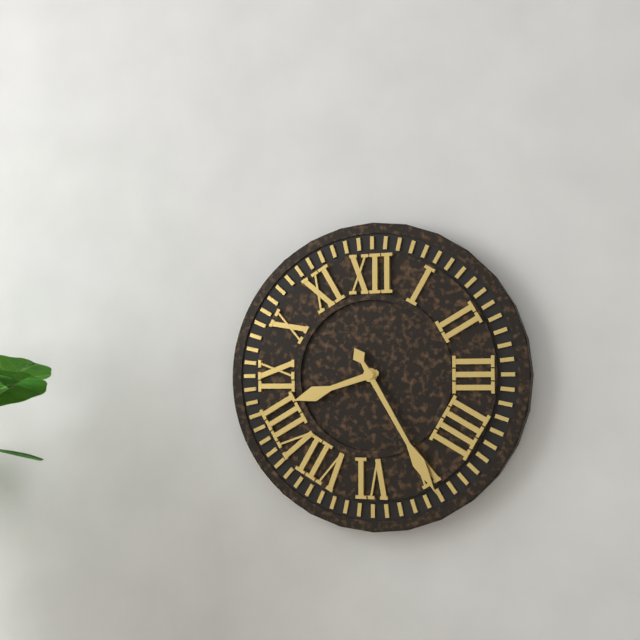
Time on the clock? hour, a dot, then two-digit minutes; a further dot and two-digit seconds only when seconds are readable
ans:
8.25
